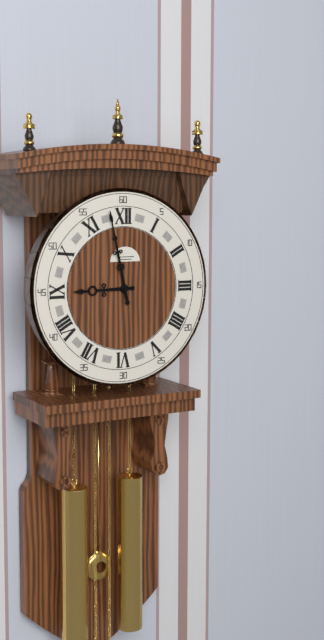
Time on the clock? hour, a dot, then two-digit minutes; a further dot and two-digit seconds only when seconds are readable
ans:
8.58
